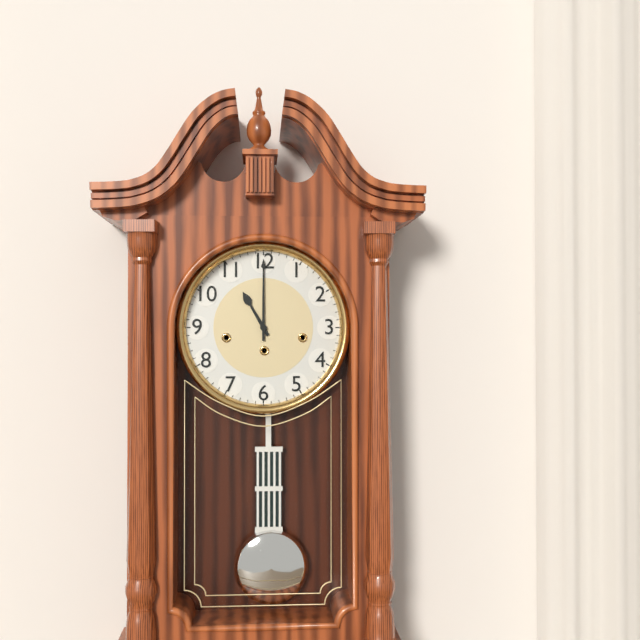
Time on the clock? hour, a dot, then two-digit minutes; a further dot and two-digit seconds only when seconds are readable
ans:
11.00
